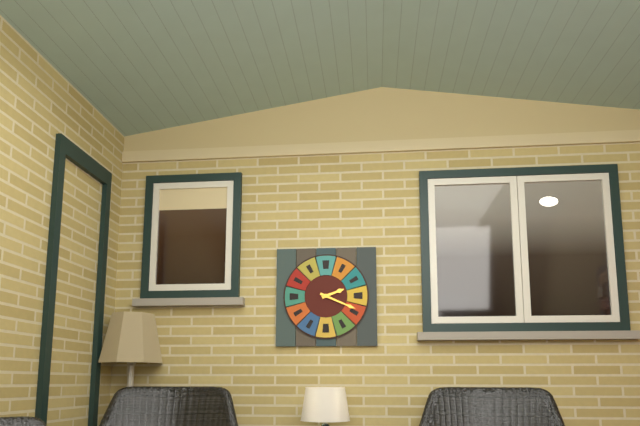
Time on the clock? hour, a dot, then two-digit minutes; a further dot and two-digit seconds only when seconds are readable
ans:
2.19
